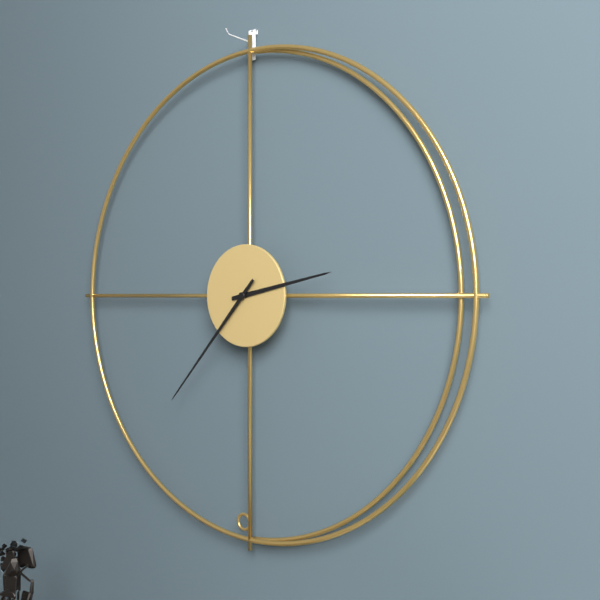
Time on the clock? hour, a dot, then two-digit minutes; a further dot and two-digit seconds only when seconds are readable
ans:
2.37
